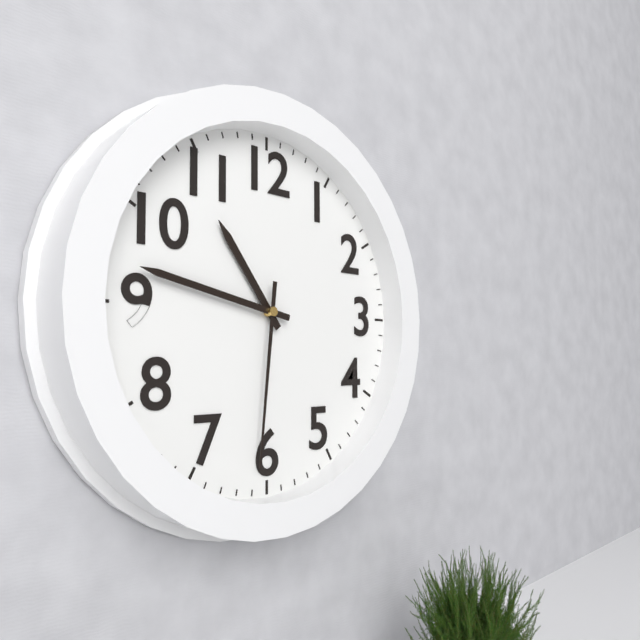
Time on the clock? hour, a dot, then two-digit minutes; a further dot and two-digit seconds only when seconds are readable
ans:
10.47.31
